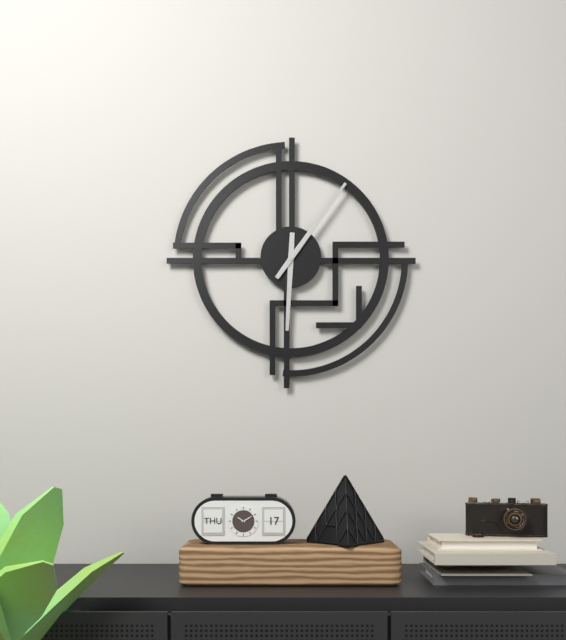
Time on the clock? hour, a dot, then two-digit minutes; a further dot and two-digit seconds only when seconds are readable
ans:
6.06
